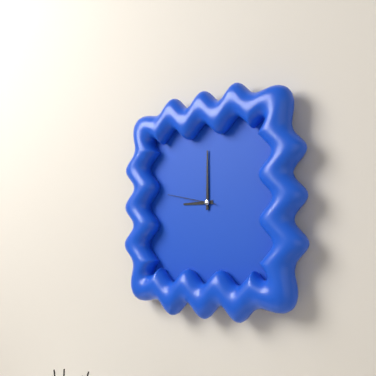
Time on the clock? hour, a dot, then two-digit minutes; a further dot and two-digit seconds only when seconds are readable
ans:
9.00.47
